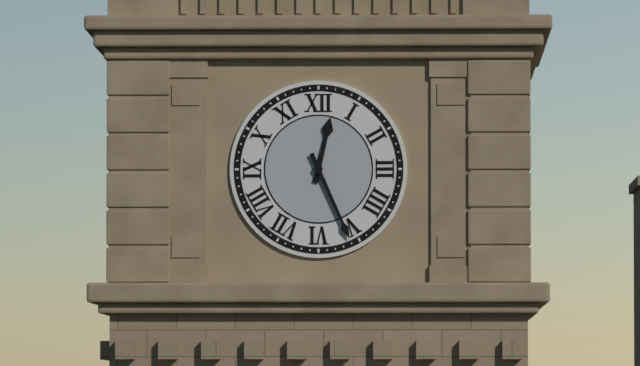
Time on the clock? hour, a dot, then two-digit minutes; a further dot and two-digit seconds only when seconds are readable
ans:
12.26
